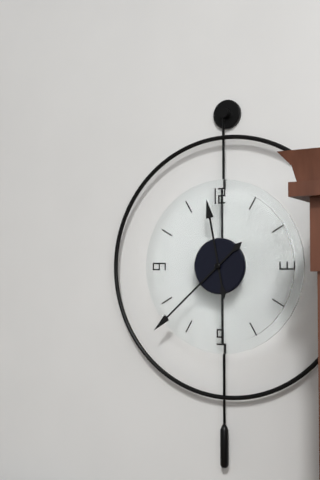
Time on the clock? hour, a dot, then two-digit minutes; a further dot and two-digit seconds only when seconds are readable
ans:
11.38
